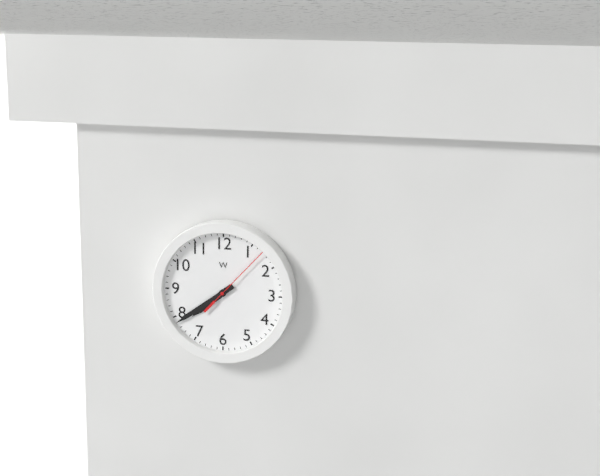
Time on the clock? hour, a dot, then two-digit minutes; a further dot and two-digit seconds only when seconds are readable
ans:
7.39.07
